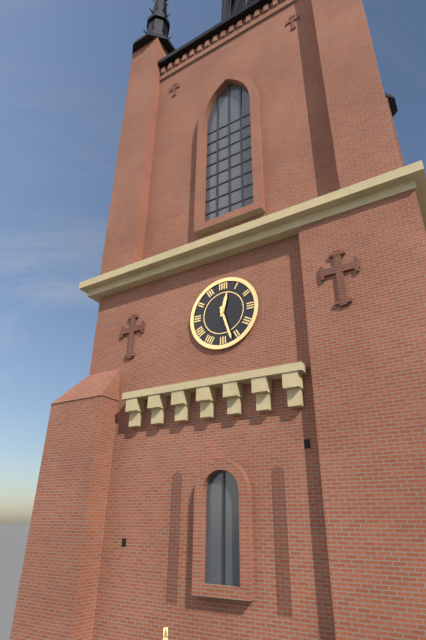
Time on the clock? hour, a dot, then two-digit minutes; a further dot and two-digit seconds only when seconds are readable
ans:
12.27
